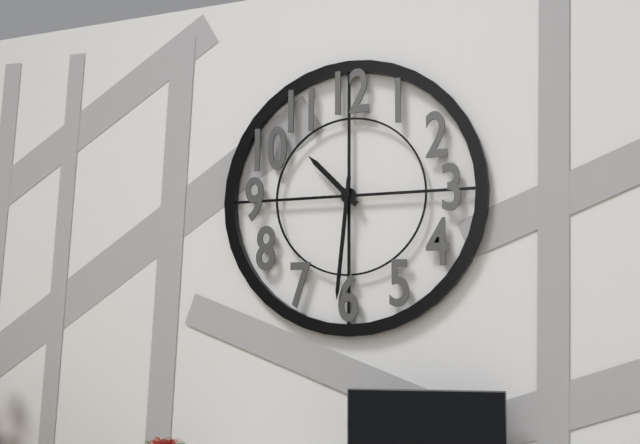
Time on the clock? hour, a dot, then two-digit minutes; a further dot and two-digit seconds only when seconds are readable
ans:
10.31
